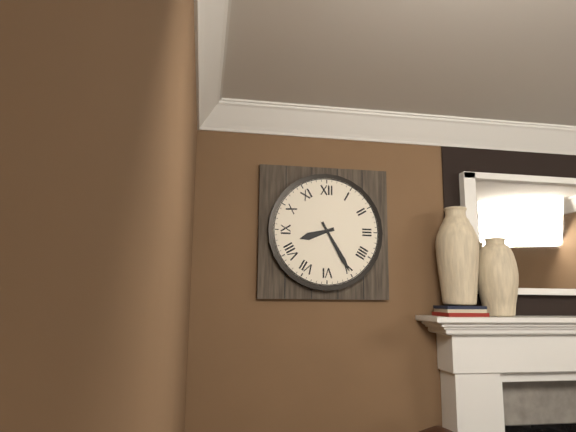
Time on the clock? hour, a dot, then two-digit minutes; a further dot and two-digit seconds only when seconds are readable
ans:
8.25
